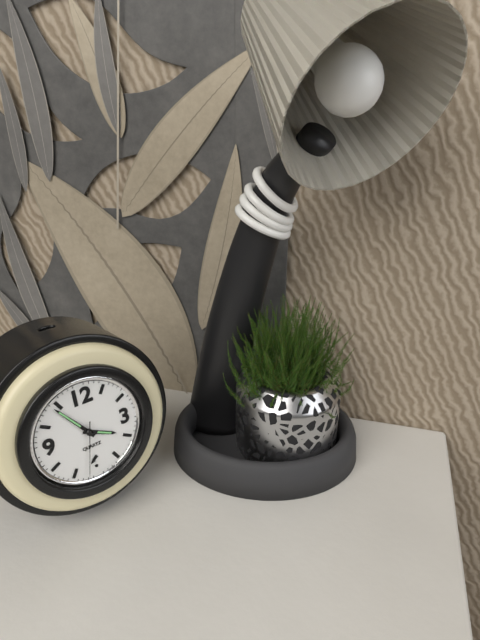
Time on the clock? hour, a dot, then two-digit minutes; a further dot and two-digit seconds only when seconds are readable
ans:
3.54.32
